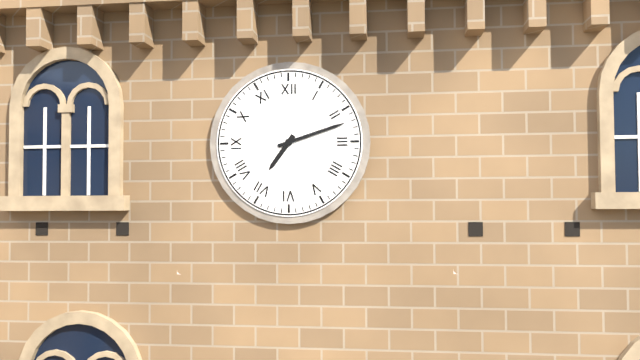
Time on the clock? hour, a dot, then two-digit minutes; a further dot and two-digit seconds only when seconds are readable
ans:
7.12
